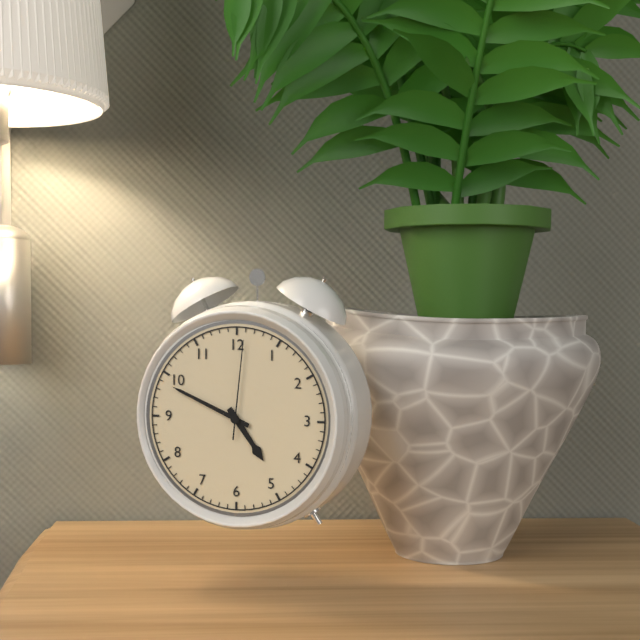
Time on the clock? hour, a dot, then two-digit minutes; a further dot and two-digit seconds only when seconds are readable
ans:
4.49.01
